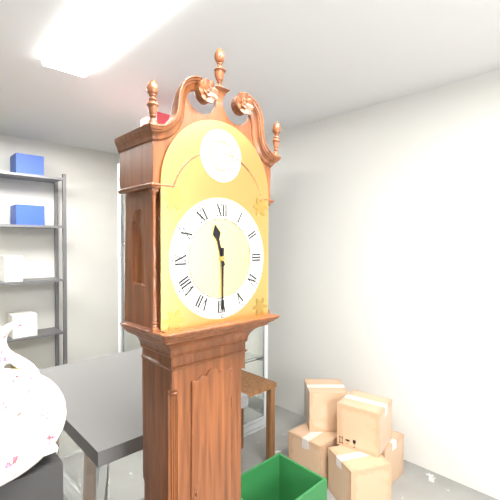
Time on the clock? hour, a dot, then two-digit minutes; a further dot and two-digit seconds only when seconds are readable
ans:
11.30
